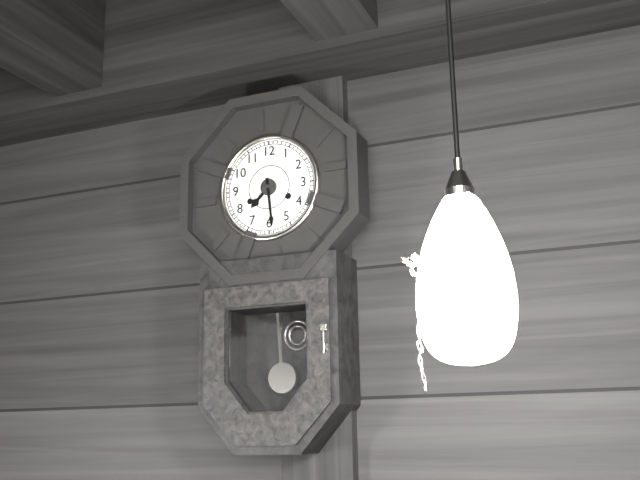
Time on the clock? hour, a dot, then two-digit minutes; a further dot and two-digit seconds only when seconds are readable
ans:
7.29
